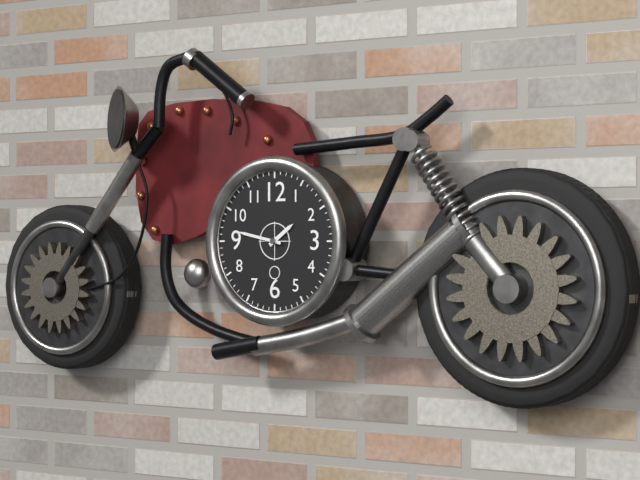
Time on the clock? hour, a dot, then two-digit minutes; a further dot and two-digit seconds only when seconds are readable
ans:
1.47
